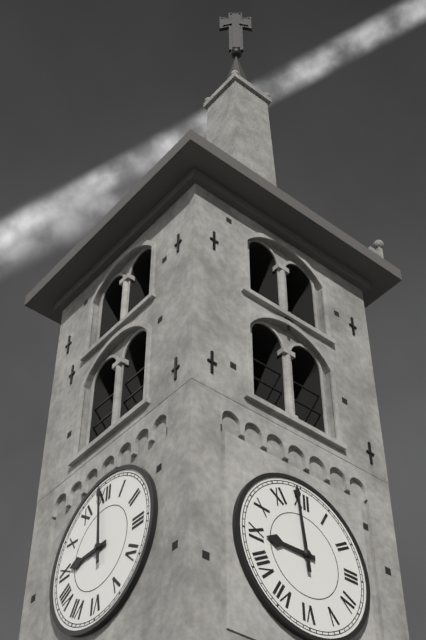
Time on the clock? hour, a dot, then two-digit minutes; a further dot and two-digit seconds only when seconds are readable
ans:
8.59
